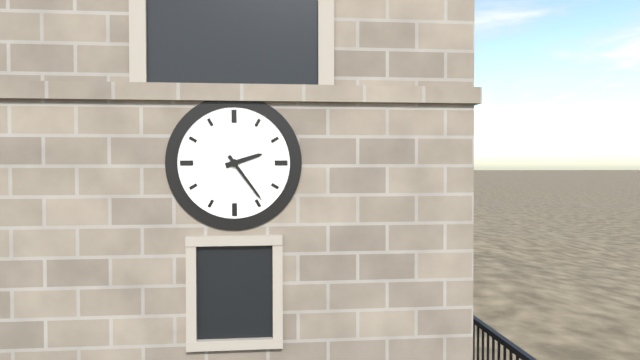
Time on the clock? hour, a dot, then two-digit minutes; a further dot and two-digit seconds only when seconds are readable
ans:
2.24
